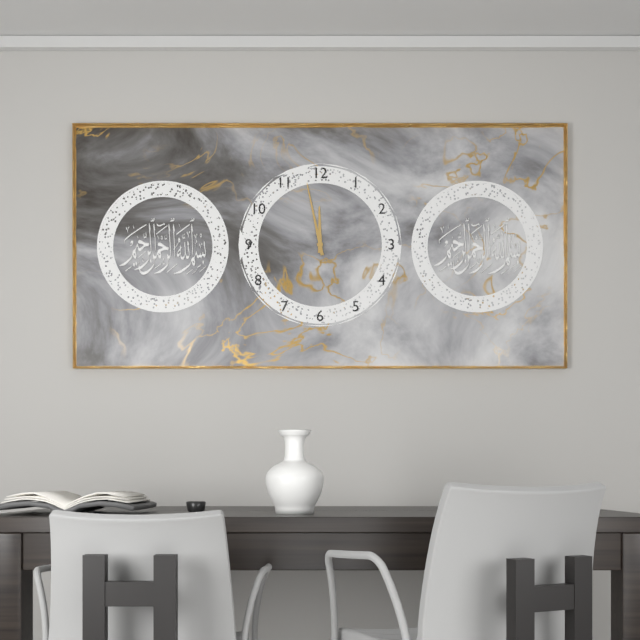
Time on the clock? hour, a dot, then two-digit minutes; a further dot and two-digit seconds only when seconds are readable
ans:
11.58
